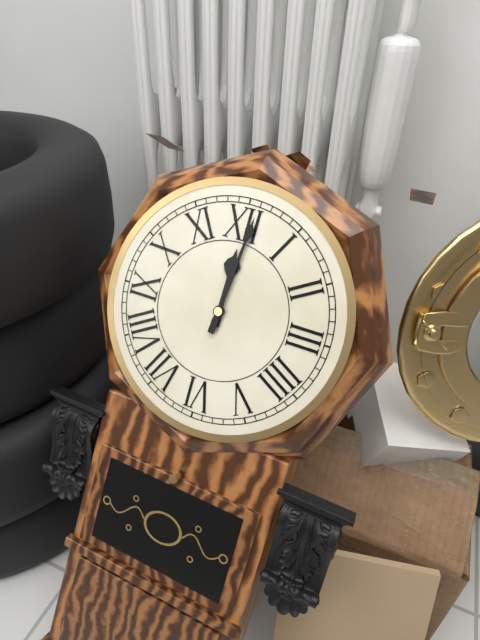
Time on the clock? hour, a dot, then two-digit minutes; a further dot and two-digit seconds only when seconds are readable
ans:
12.01
